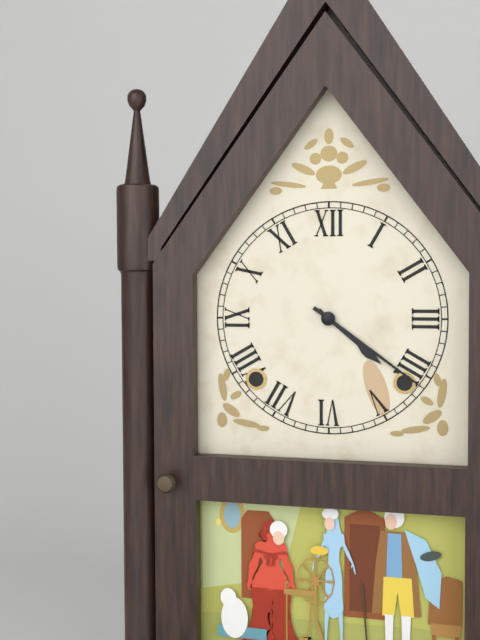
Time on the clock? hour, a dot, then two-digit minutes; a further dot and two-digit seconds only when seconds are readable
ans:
4.21
